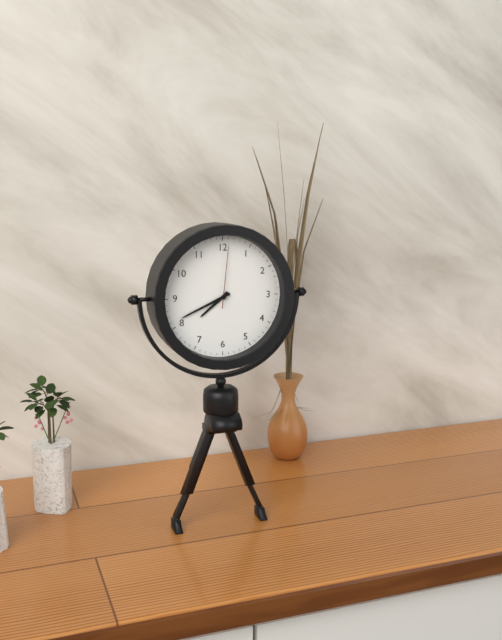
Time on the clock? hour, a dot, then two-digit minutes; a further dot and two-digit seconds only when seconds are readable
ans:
7.41.01
